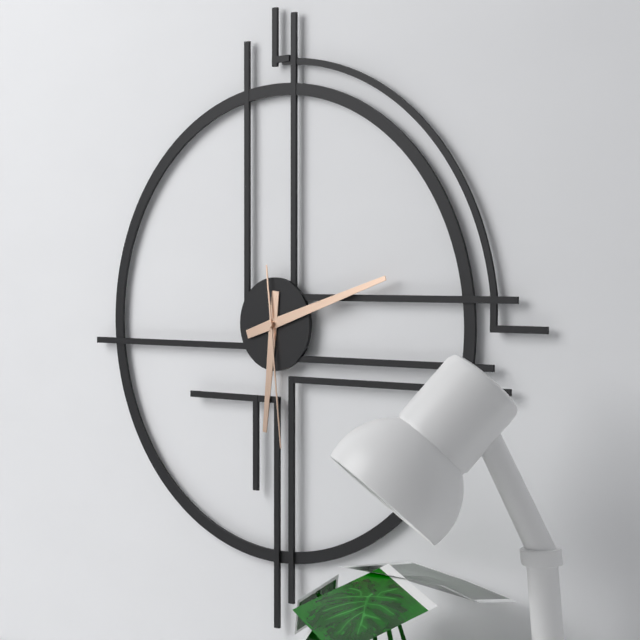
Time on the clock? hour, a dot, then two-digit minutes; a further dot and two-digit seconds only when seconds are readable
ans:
6.12.29
